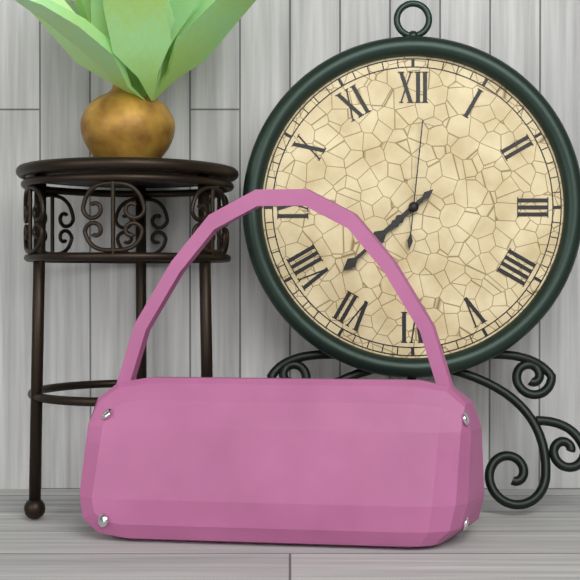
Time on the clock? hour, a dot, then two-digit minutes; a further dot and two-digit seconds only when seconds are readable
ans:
7.38.01
